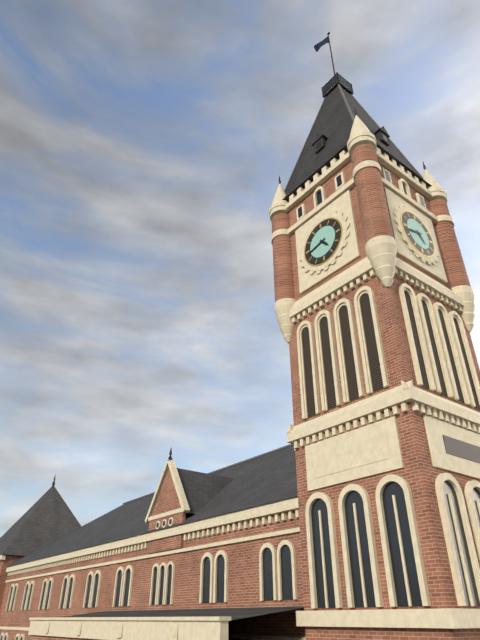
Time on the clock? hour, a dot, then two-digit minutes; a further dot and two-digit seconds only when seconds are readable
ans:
4.43
